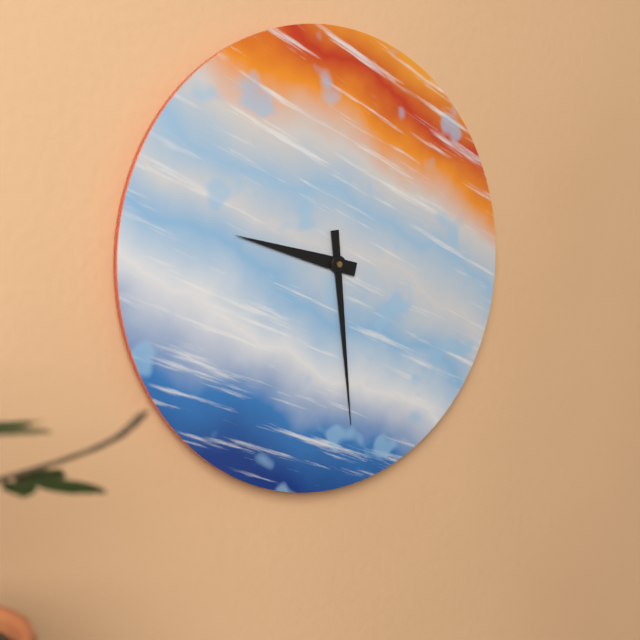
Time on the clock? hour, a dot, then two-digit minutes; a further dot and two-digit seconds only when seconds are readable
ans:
9.29
